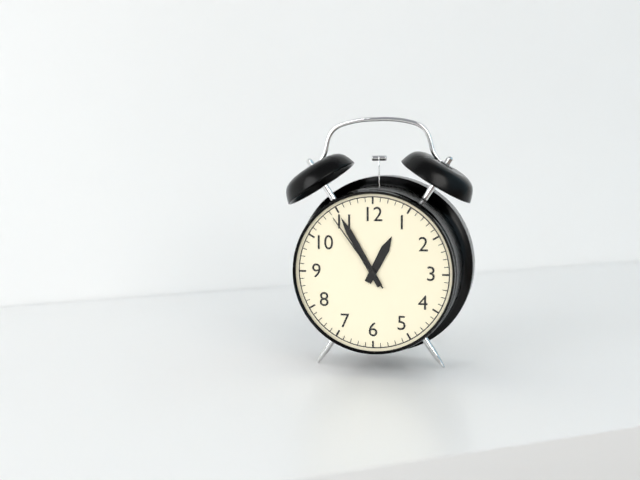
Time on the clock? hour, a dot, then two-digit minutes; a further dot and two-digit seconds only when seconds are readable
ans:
12.55.54
